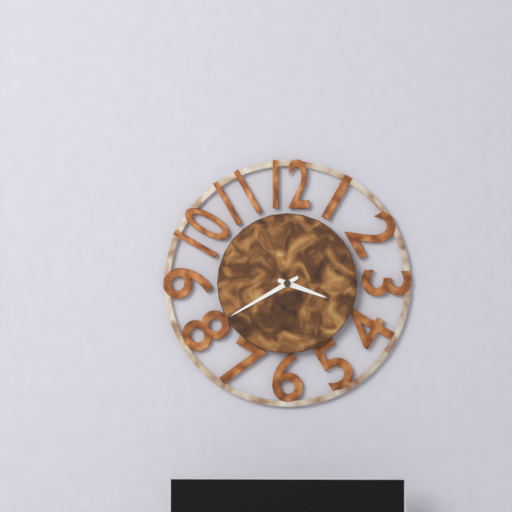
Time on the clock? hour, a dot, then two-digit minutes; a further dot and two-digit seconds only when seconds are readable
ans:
3.40
